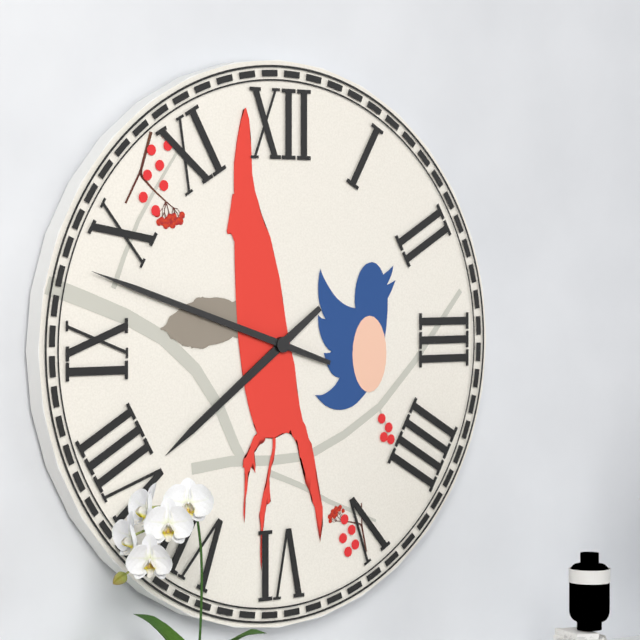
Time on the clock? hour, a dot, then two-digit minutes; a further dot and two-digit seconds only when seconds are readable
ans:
7.48
